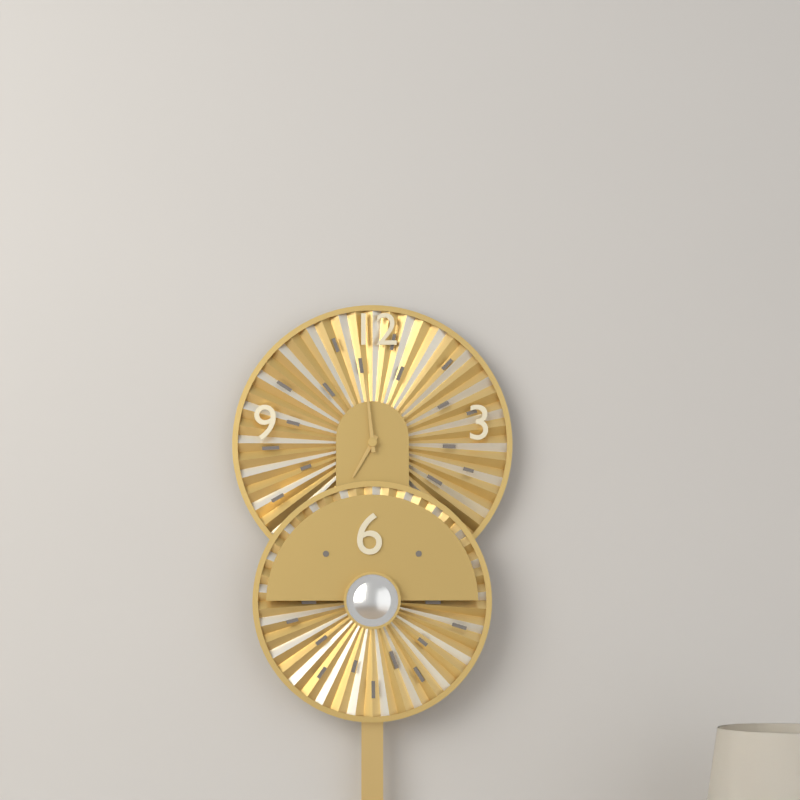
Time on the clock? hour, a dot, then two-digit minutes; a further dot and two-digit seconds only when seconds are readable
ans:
6.59
